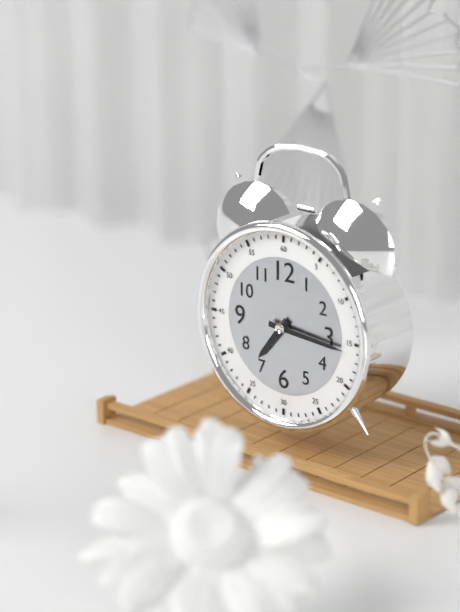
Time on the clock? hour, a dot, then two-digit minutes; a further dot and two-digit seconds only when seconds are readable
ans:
7.16
